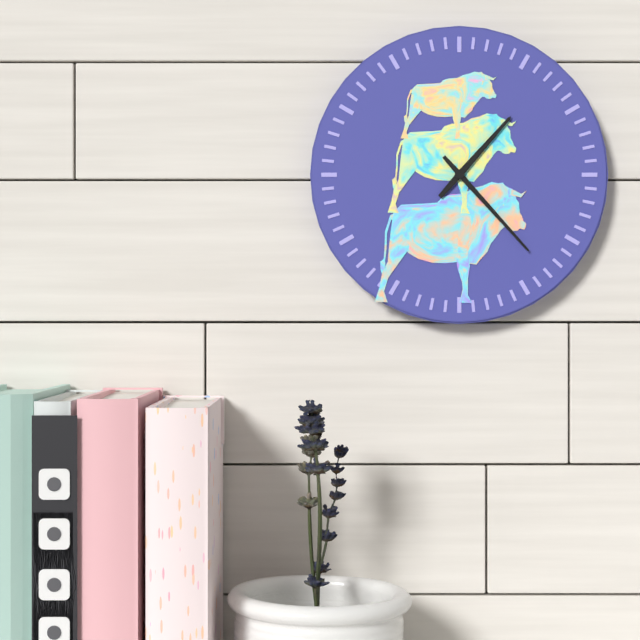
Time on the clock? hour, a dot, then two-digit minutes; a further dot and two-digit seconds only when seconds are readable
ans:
1.23
